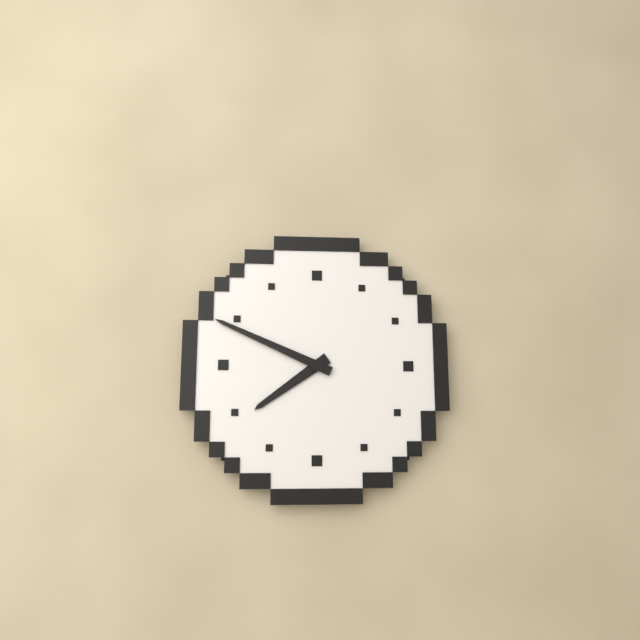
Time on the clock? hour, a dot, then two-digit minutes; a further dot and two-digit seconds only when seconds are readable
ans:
7.49
